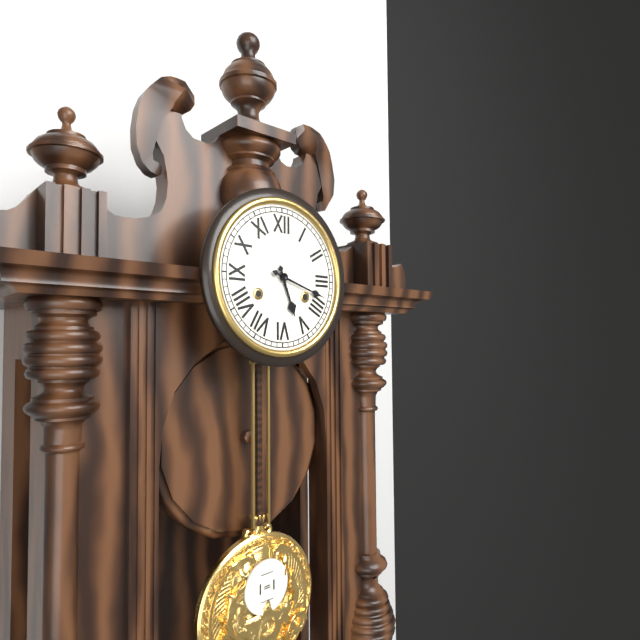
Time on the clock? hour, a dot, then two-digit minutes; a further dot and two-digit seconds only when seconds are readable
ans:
5.18
